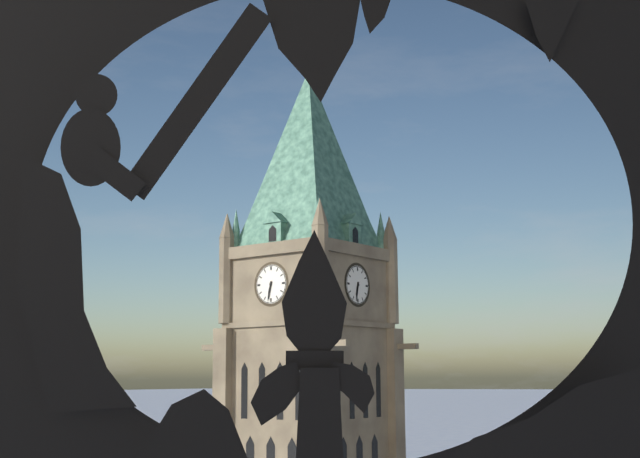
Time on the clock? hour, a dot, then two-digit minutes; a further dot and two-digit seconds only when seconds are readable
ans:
6.32
